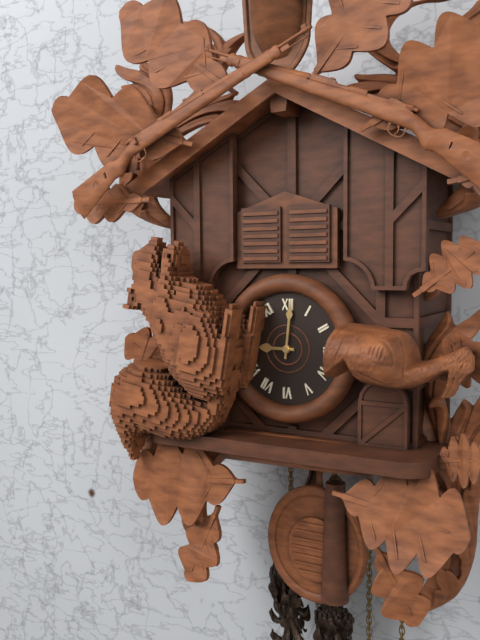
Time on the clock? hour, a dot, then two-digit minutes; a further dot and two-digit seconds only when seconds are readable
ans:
9.01
